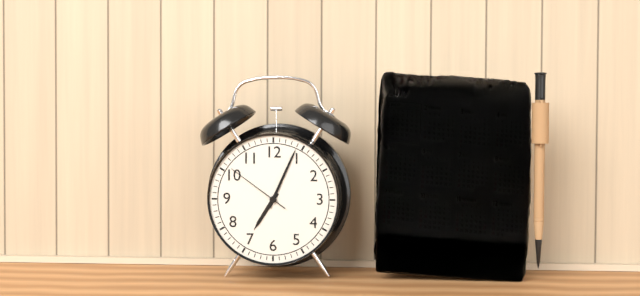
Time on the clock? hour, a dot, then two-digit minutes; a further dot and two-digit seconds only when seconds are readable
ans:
7.04.51
